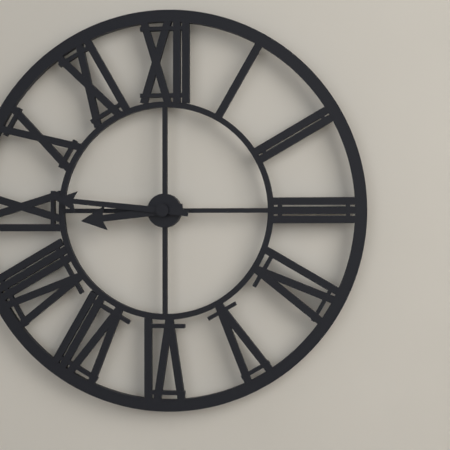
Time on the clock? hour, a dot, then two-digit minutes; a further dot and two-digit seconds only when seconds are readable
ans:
8.46
